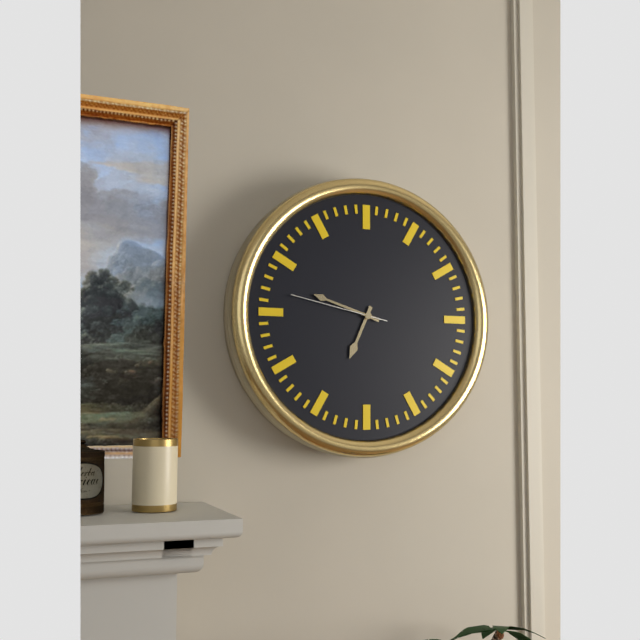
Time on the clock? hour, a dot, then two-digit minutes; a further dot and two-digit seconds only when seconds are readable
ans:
6.48.47
